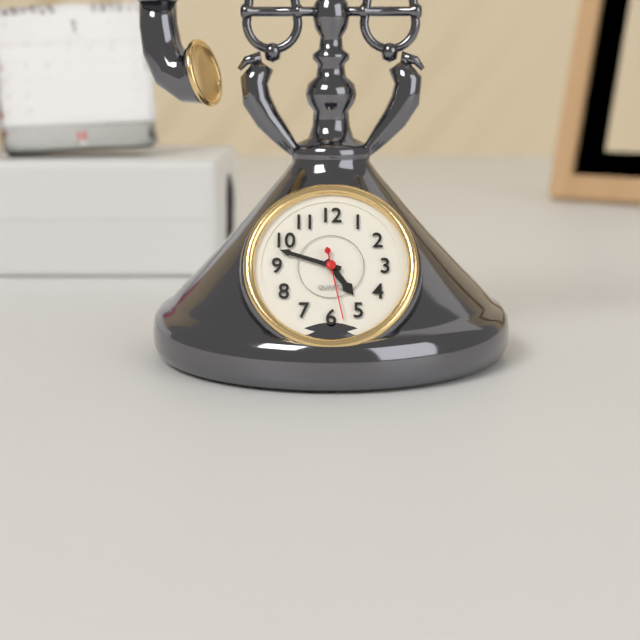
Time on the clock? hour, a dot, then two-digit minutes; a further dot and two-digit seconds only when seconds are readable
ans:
4.48.28
